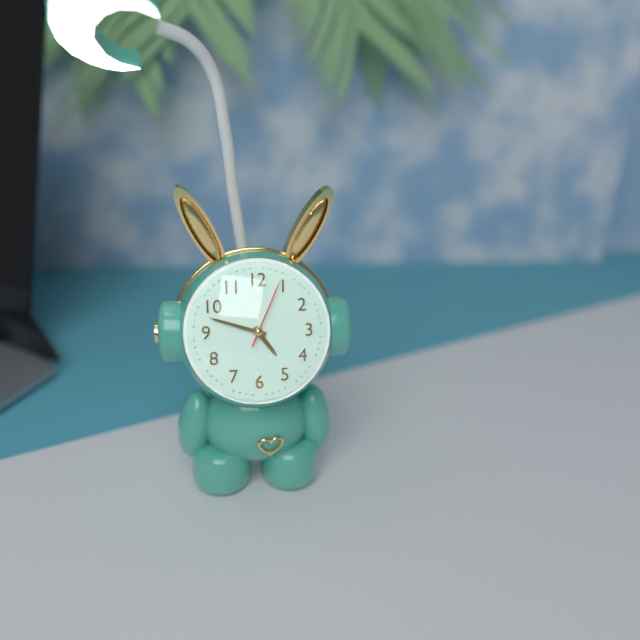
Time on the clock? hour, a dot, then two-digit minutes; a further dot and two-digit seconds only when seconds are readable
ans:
4.48.04
